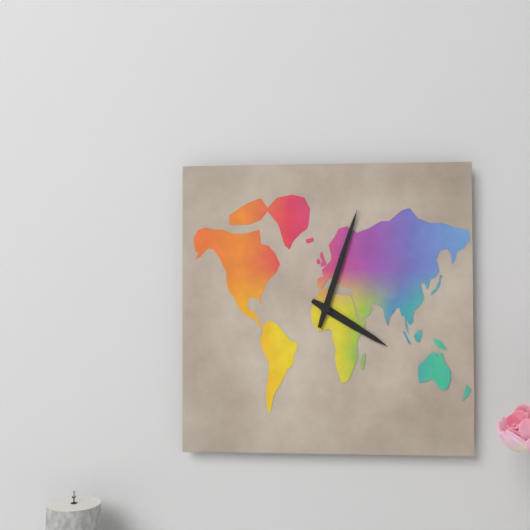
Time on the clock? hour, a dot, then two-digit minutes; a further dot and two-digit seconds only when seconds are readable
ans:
4.03
